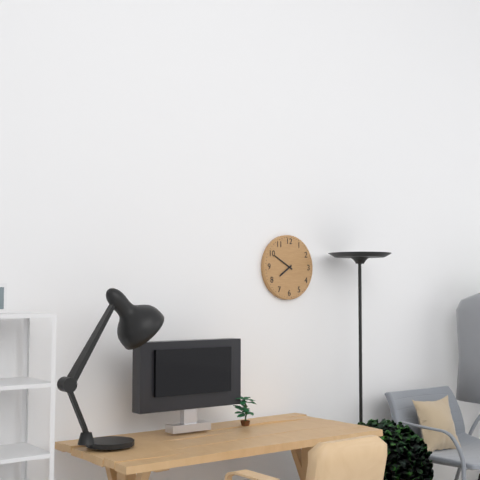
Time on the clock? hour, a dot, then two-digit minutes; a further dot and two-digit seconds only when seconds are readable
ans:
7.50
